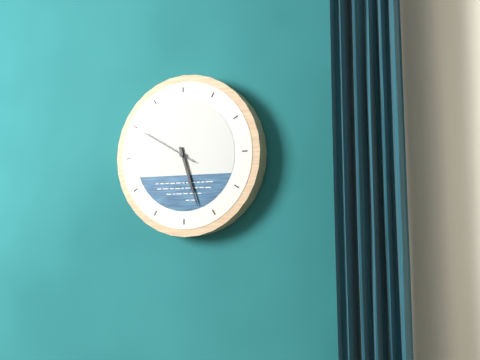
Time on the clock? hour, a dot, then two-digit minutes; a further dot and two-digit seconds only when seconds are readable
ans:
5.27.50
